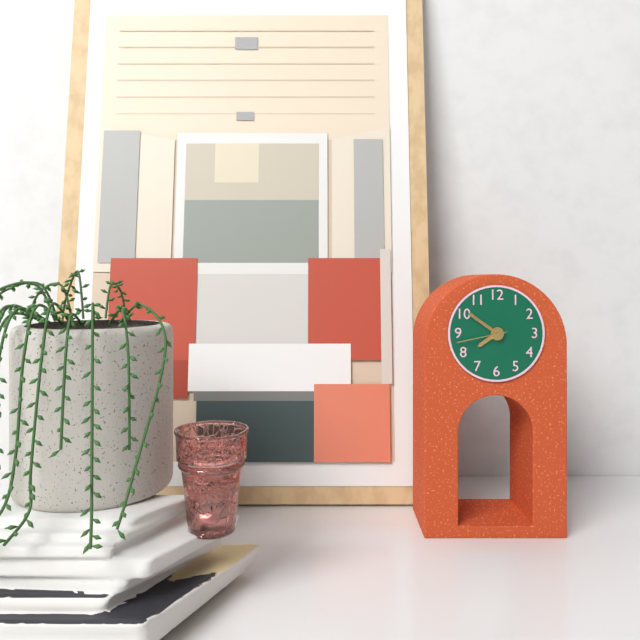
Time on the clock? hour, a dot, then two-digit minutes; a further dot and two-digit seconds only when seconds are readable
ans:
7.51.43
